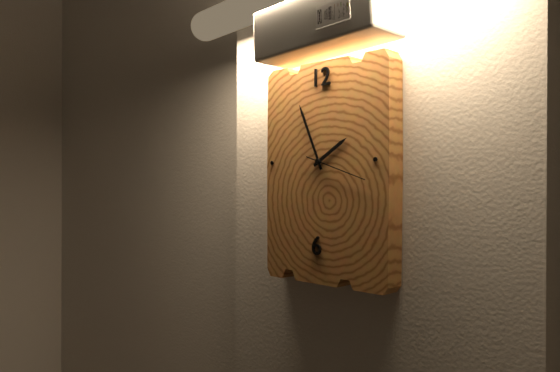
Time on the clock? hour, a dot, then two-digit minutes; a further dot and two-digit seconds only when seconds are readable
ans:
1.56
